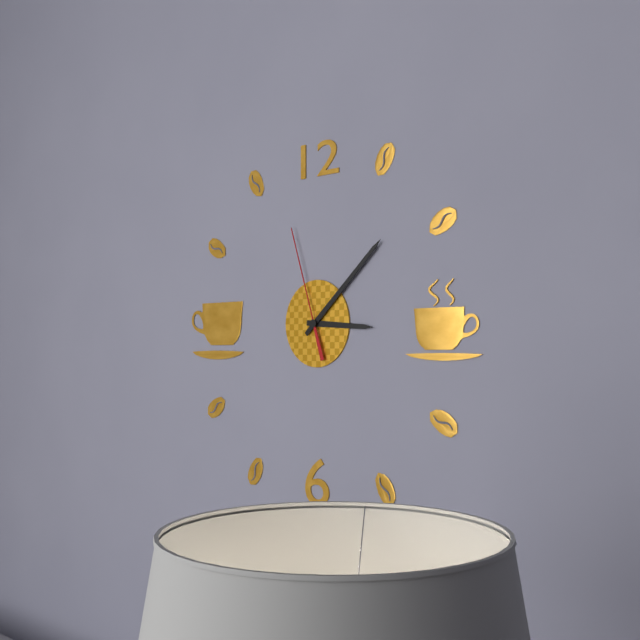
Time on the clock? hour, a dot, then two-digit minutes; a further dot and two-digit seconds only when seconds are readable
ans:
3.08.57
